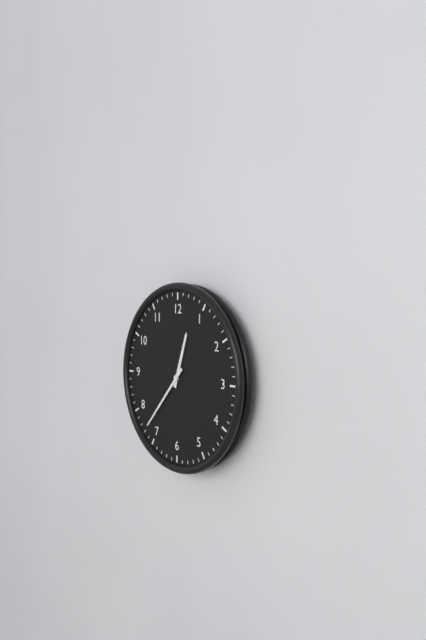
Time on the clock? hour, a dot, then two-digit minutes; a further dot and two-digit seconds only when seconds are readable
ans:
12.37
